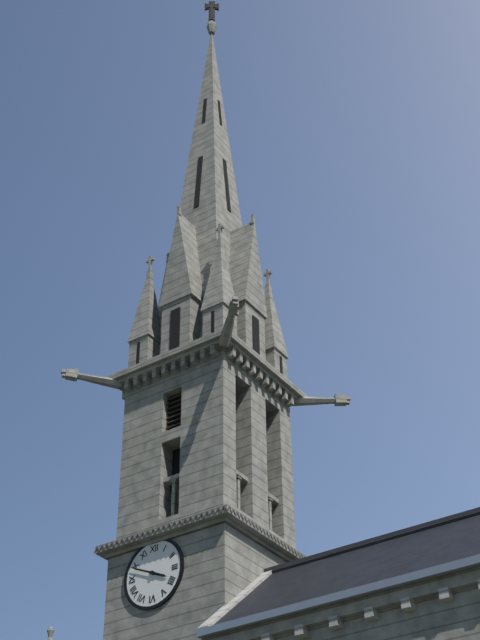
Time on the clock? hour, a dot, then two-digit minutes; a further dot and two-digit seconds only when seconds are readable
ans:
3.49
